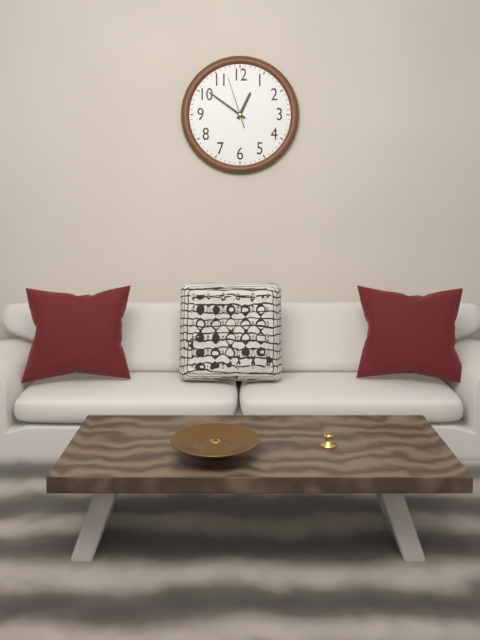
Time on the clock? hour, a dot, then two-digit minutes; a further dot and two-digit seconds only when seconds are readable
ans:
12.51
